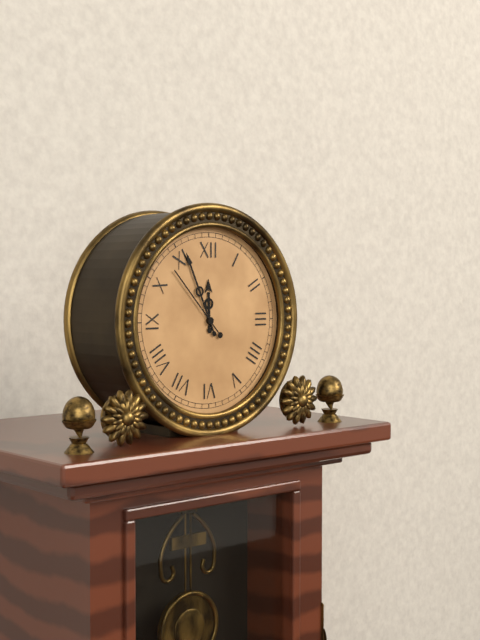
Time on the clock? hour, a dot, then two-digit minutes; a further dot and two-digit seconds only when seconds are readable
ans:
11.56.53
